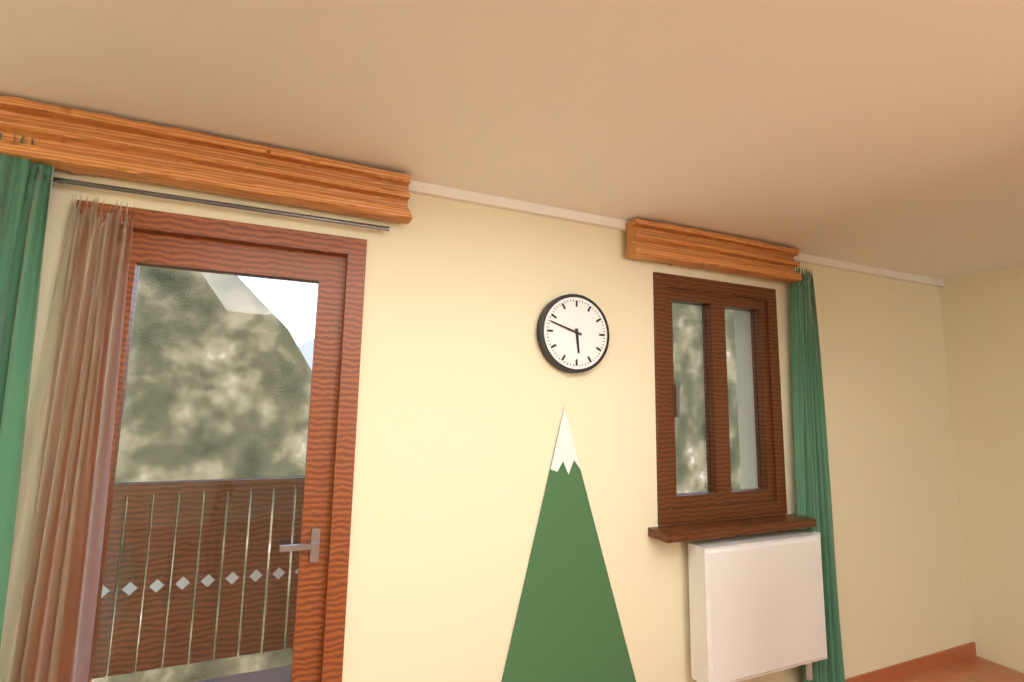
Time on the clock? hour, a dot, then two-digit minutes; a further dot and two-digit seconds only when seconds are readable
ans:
5.48
